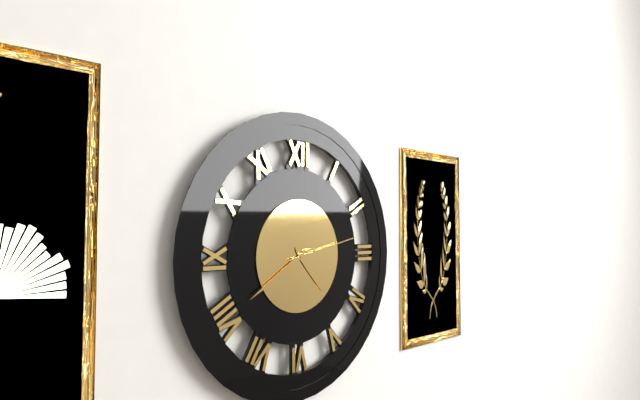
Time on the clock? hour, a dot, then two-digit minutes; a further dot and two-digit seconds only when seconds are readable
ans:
4.40.13
